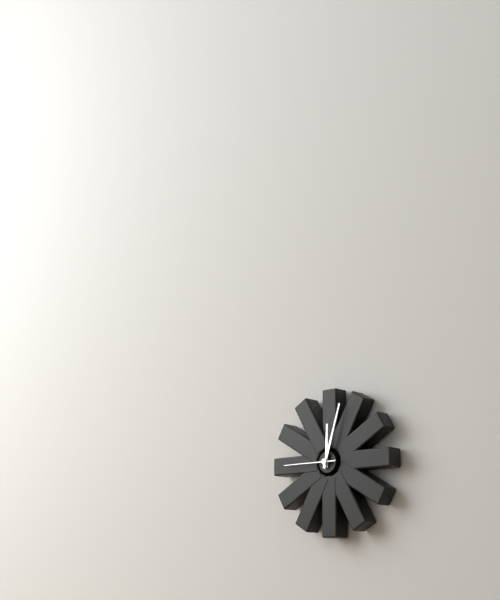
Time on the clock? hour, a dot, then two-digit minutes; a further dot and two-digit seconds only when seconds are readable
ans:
12.03.45
